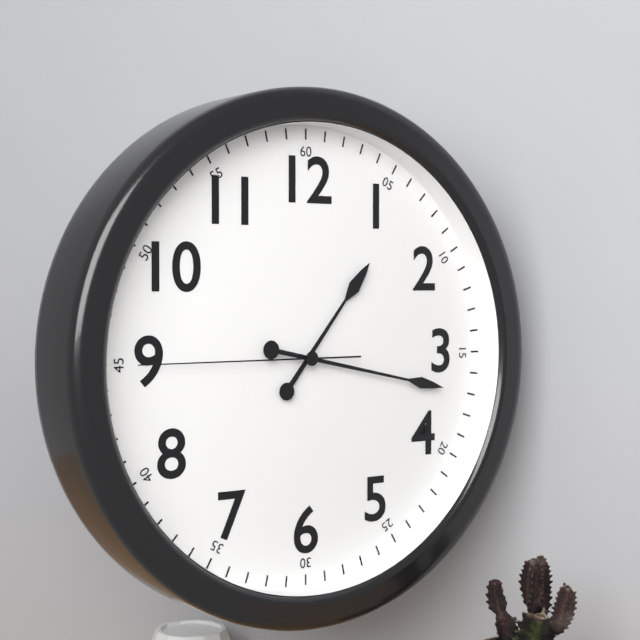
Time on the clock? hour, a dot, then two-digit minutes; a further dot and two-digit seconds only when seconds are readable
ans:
1.17.45
